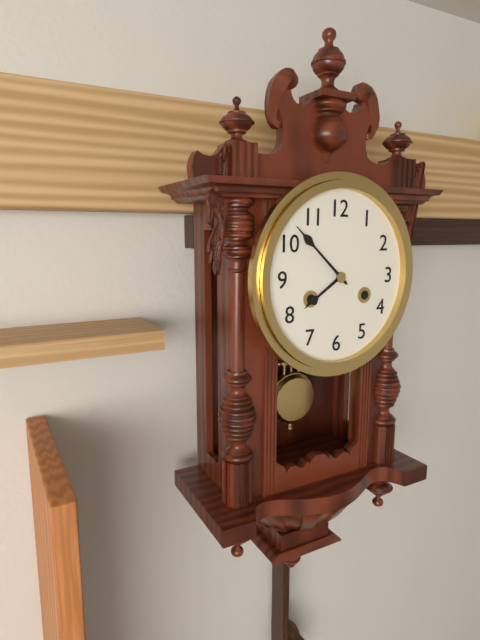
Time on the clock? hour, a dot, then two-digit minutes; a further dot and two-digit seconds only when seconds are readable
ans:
7.52
